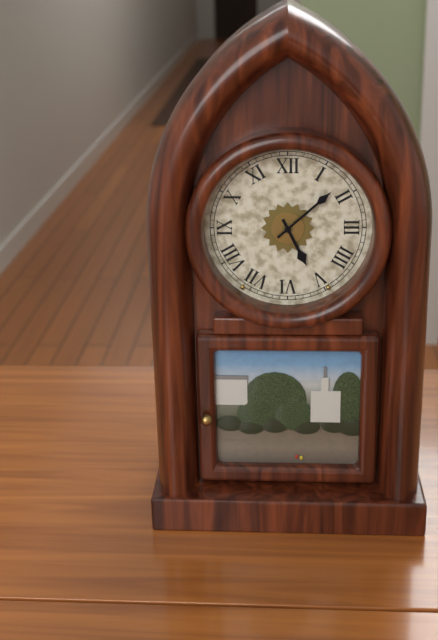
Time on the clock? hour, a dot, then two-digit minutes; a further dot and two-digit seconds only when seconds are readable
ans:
5.08
